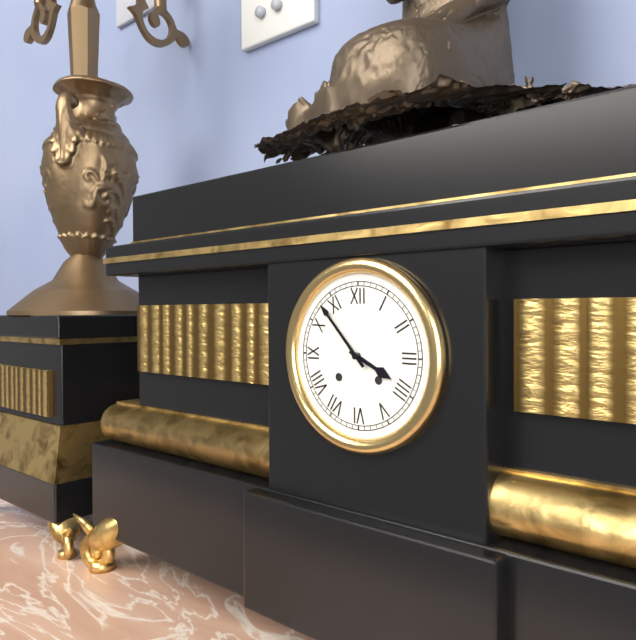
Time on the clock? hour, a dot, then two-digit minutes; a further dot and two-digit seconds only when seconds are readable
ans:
3.53
